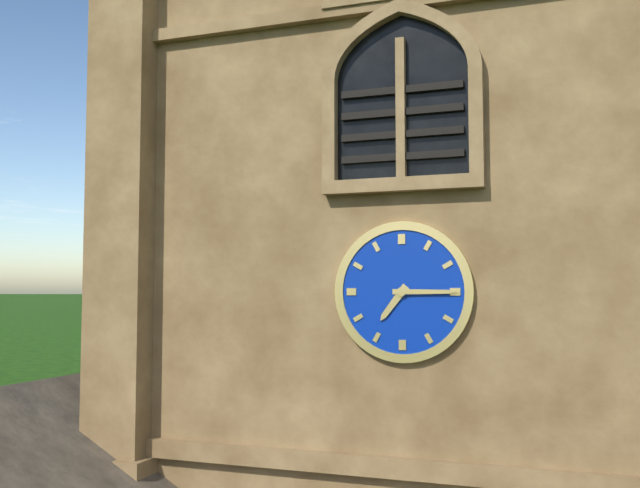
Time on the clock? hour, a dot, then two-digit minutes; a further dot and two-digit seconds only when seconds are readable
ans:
7.15
